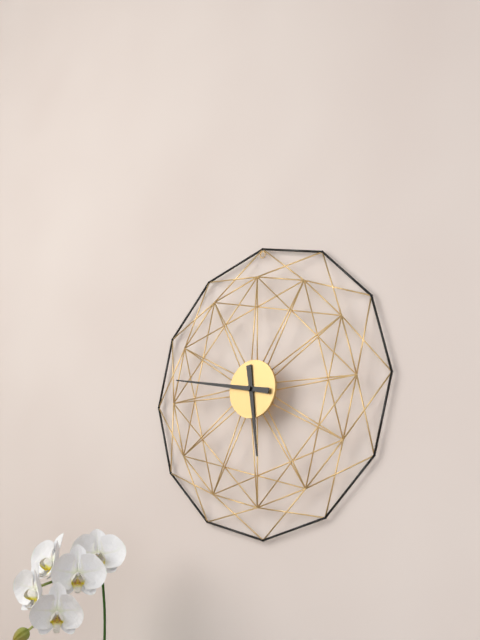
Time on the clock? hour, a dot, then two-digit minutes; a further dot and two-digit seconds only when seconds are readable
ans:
5.47
